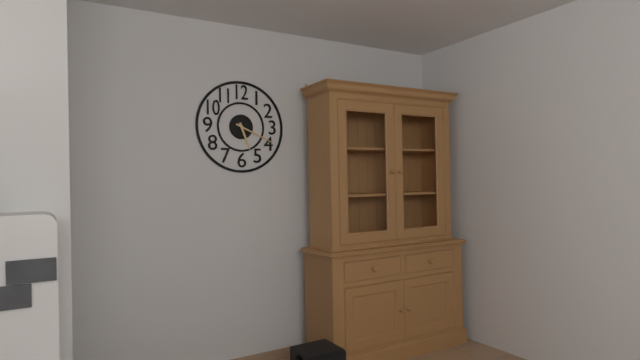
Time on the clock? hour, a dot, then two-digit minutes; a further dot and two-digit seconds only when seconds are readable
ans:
5.19
